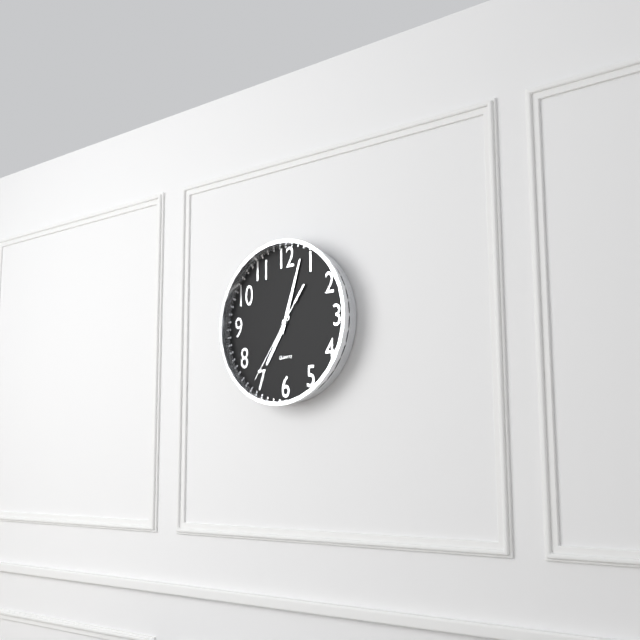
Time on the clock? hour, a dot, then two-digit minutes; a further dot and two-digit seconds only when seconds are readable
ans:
7.03.36
